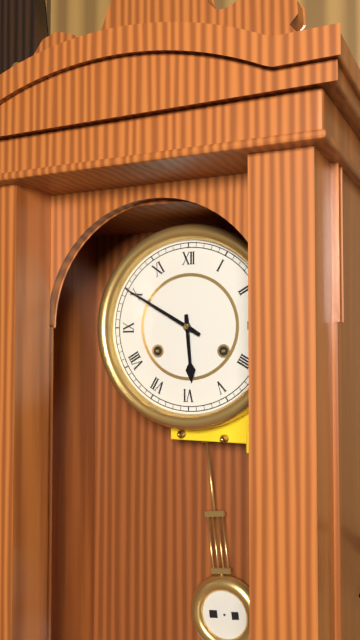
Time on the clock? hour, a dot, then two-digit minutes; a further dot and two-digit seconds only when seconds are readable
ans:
5.50
